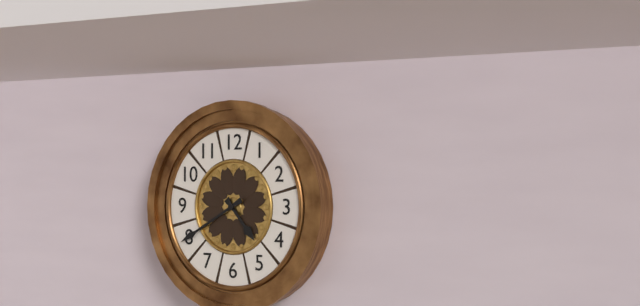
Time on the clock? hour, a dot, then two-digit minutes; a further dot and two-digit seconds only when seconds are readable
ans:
4.40
